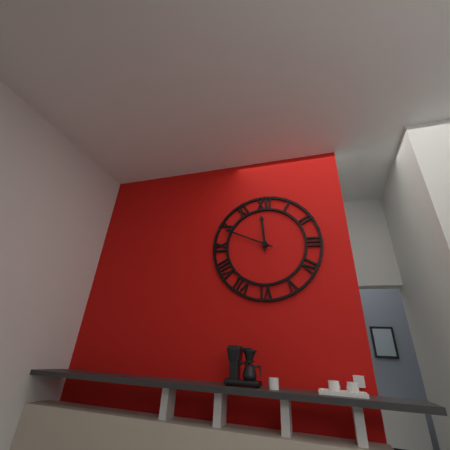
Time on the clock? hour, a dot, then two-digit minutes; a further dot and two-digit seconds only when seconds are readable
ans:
11.49
